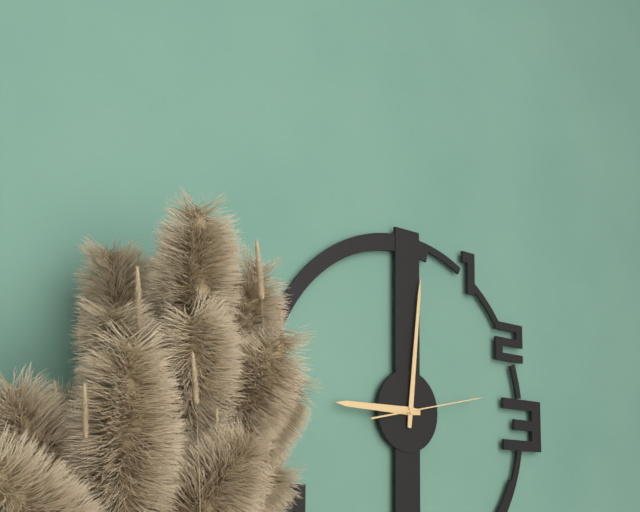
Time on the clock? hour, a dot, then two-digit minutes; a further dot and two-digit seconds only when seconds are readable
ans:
9.01.13
